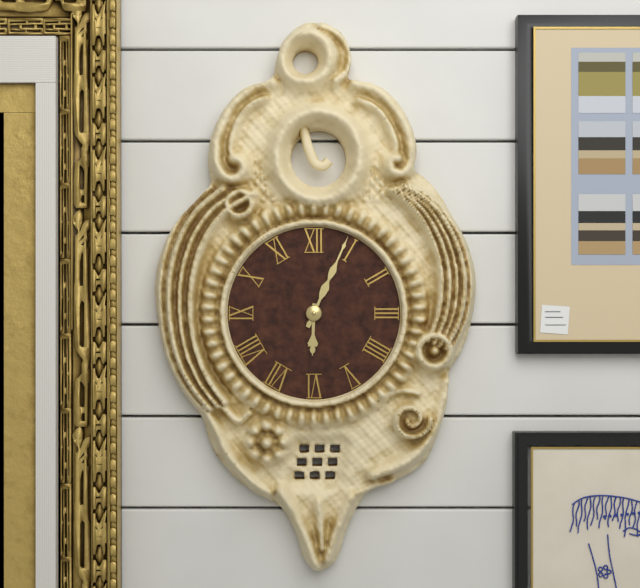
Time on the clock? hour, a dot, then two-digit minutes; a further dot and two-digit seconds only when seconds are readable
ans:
6.04
